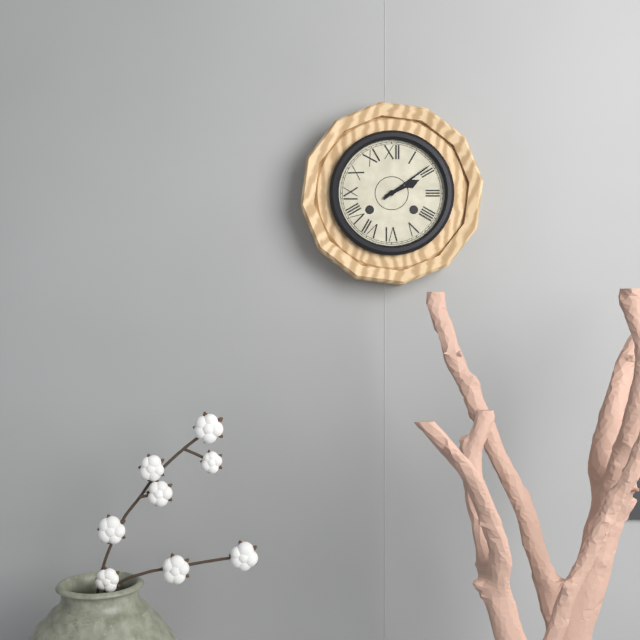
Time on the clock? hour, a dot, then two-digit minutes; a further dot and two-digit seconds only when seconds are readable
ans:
2.09
